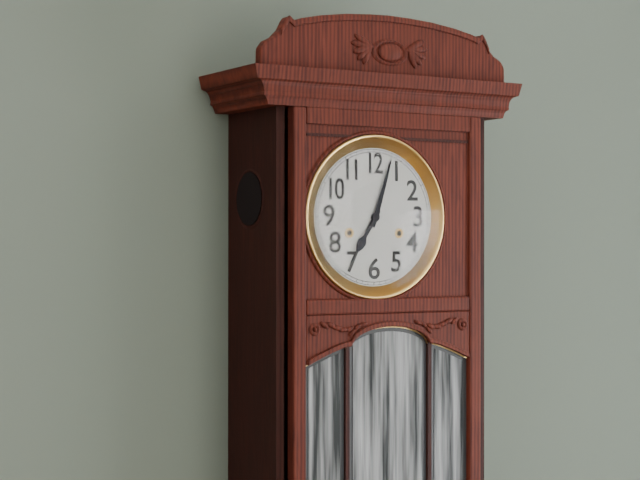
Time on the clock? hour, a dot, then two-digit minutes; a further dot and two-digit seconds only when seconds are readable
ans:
7.03
